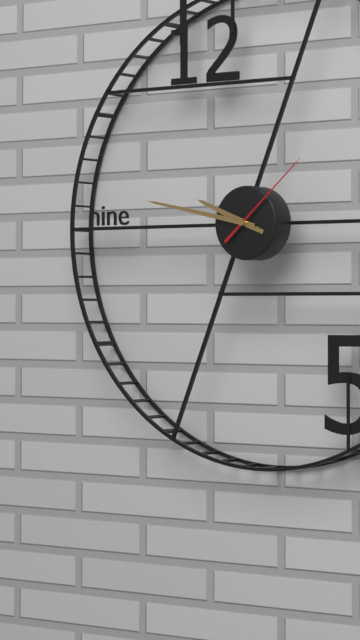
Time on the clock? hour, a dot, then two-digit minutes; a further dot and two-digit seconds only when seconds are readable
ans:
9.47.08
